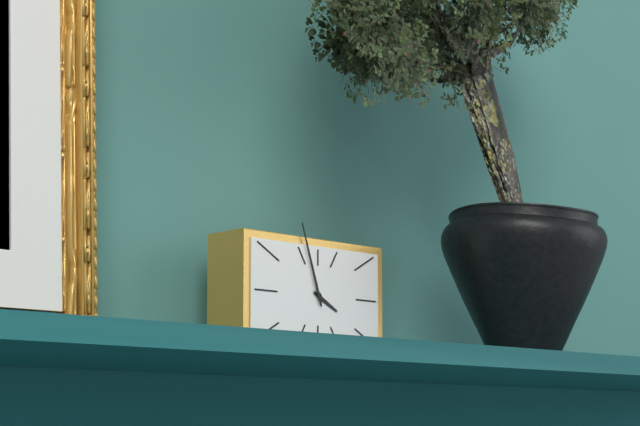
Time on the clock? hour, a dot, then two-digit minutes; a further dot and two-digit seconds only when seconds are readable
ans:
3.57
